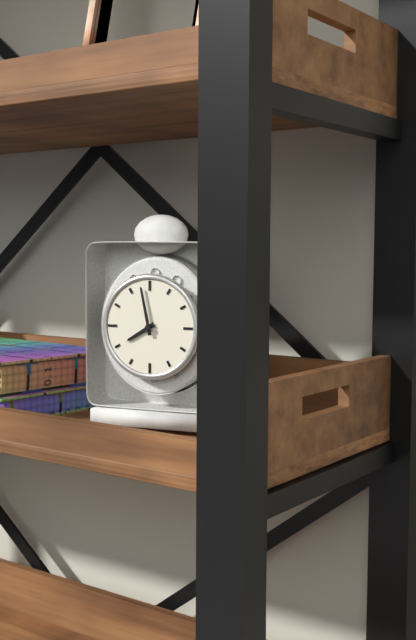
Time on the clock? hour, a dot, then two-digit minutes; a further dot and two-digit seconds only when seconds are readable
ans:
7.58
